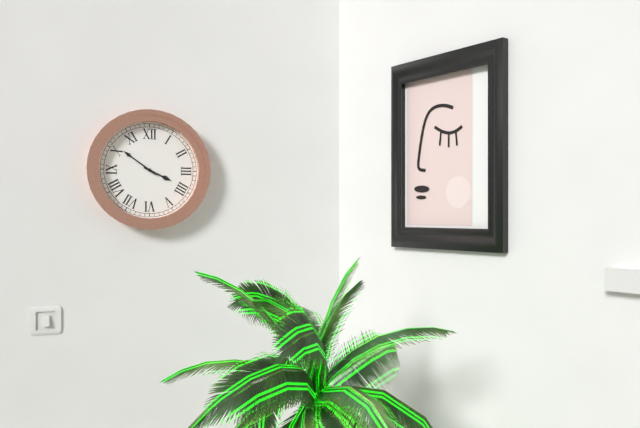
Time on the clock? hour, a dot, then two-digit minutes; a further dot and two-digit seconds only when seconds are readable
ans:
3.51
